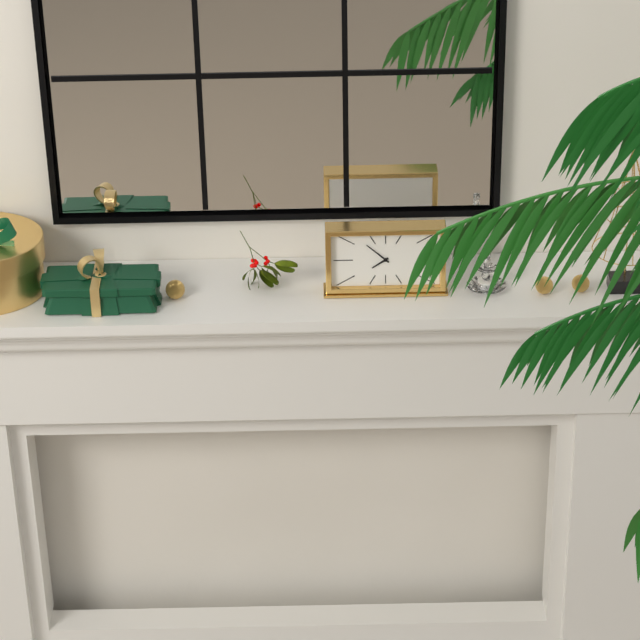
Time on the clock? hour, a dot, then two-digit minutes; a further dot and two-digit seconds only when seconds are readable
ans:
7.52
